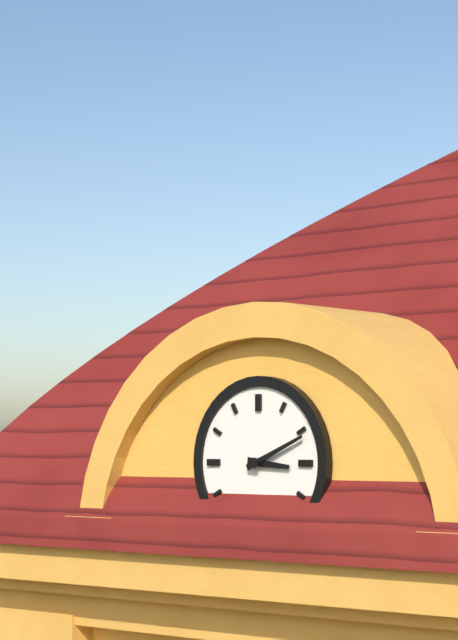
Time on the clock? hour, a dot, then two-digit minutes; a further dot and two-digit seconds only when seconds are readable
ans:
3.11
